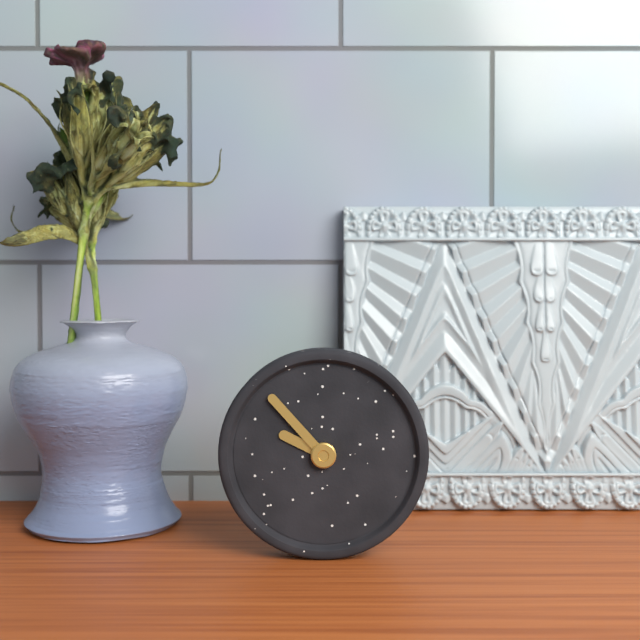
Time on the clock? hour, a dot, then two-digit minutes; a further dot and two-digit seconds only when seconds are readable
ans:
9.53
